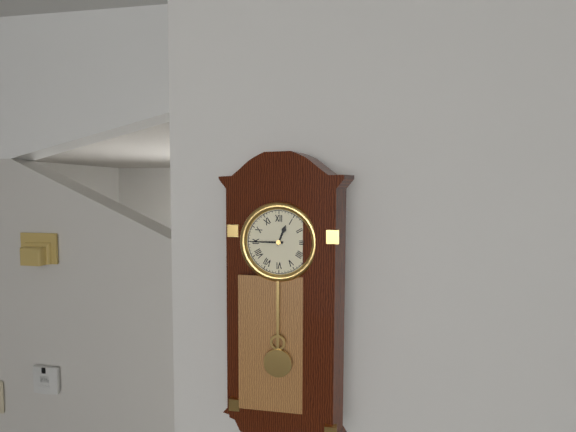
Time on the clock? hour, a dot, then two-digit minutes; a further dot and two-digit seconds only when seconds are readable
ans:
12.45
